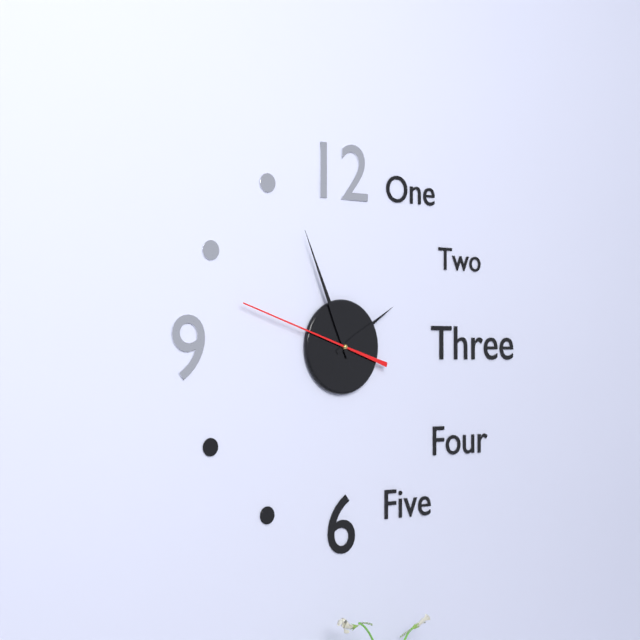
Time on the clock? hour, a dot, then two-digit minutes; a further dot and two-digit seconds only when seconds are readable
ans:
1.56.48
